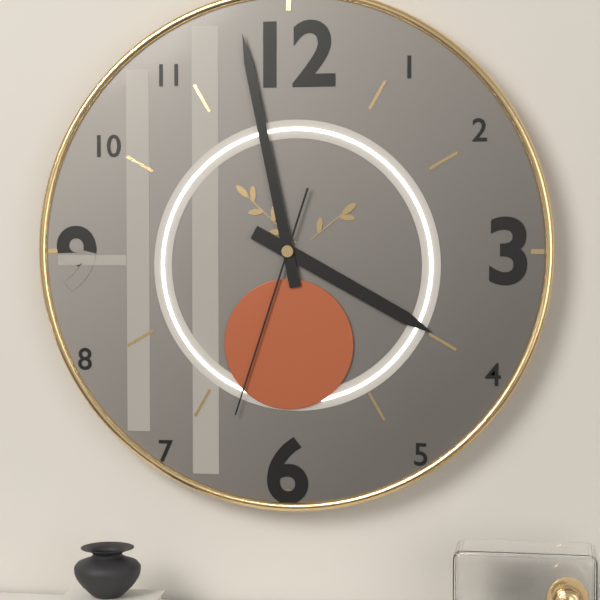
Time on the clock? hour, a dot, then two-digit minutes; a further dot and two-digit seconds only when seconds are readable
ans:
3.58.33
